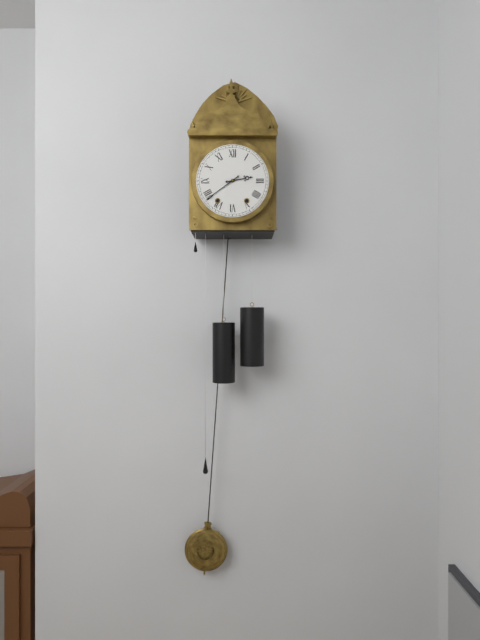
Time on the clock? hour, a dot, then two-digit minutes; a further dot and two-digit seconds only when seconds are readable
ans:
2.39
